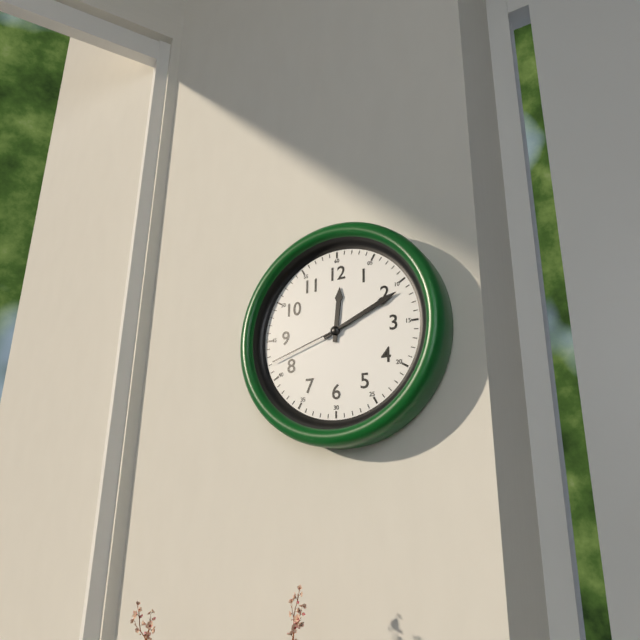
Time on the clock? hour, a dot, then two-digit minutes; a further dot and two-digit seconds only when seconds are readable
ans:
12.11.42
